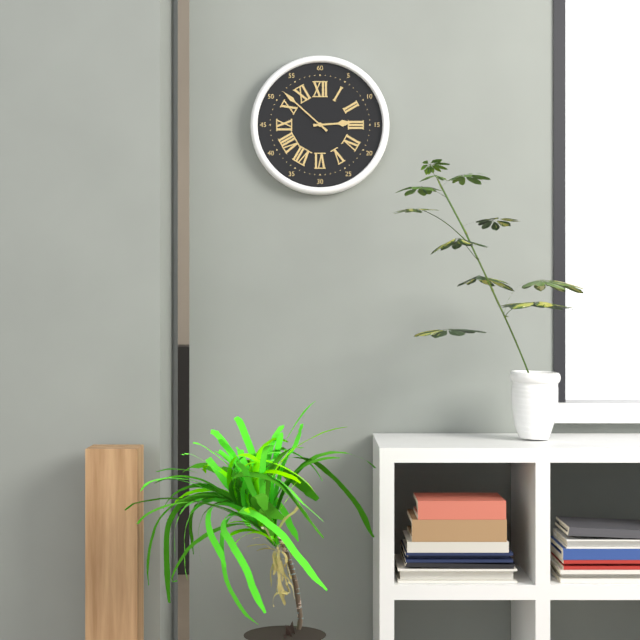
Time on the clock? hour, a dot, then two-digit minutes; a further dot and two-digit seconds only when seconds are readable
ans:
2.52
